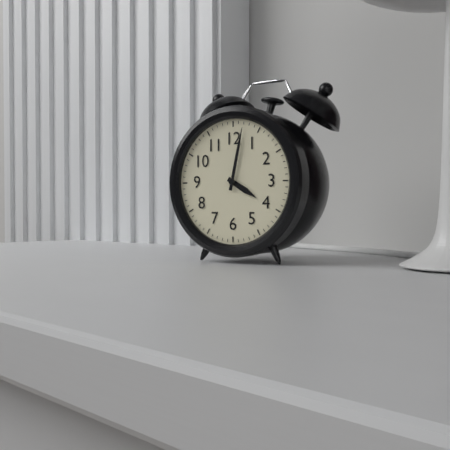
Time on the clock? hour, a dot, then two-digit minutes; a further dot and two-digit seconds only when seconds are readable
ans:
4.02
